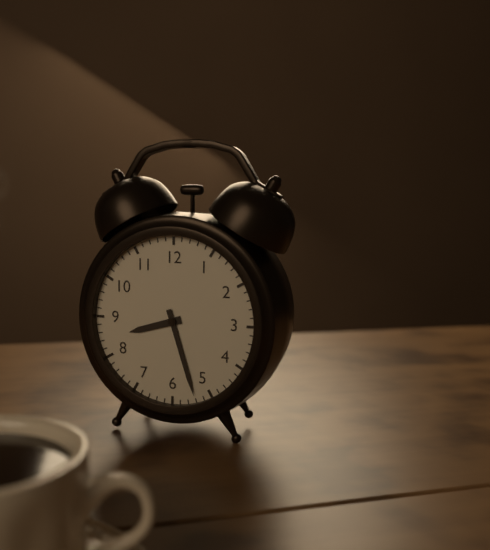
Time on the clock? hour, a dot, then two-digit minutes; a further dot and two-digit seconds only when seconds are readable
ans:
8.27
